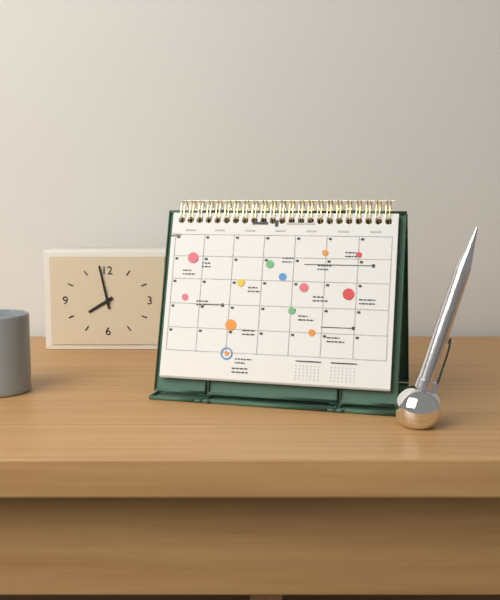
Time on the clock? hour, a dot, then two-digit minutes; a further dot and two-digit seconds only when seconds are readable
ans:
7.58
